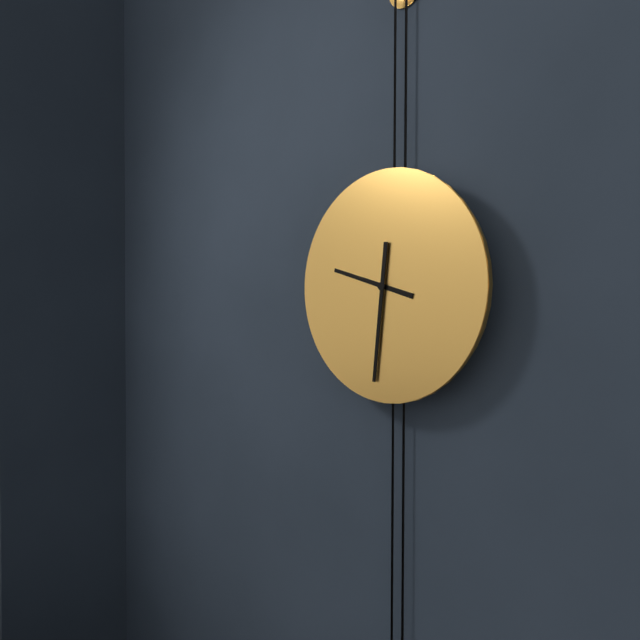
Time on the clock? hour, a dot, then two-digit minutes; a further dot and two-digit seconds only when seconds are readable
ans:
9.31
